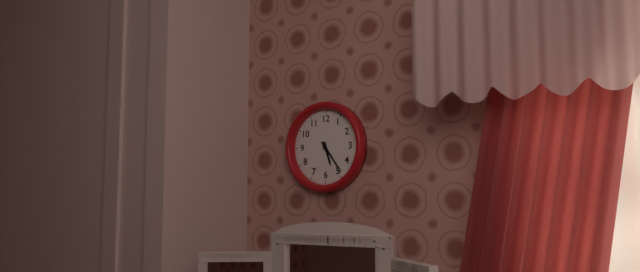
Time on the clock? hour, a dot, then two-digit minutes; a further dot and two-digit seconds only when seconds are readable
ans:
5.24
